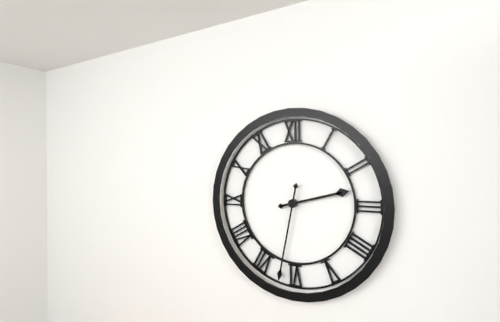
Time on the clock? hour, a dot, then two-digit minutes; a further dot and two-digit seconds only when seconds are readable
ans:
2.32
